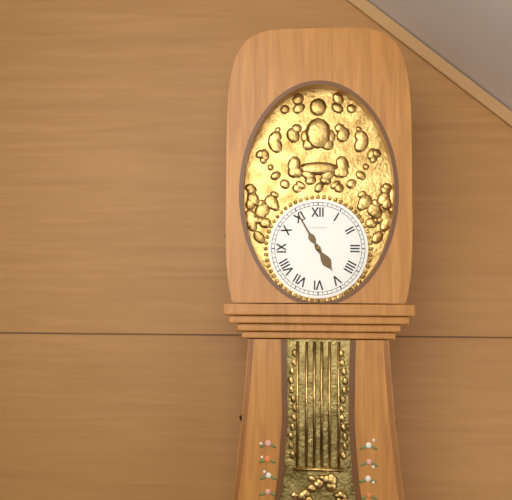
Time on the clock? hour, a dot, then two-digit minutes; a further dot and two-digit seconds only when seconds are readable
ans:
4.55
